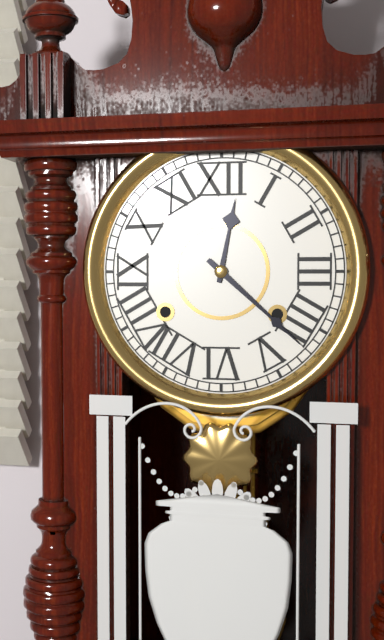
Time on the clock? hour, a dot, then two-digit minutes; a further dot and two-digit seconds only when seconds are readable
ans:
12.22
